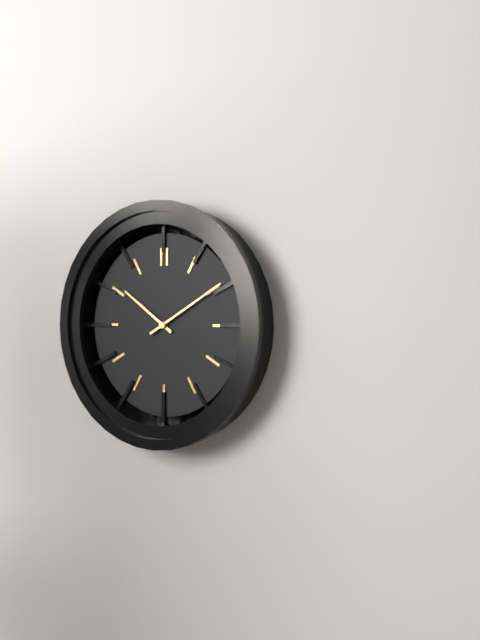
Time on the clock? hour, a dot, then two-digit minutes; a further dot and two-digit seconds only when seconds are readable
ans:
10.10
